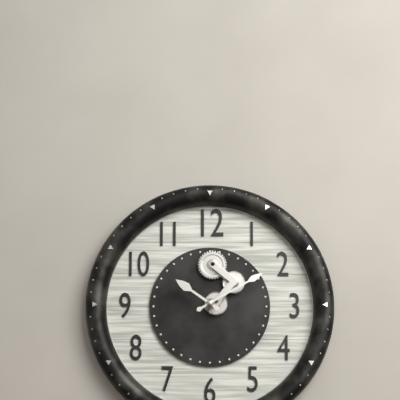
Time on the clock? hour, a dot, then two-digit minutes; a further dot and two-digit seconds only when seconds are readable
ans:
10.10
